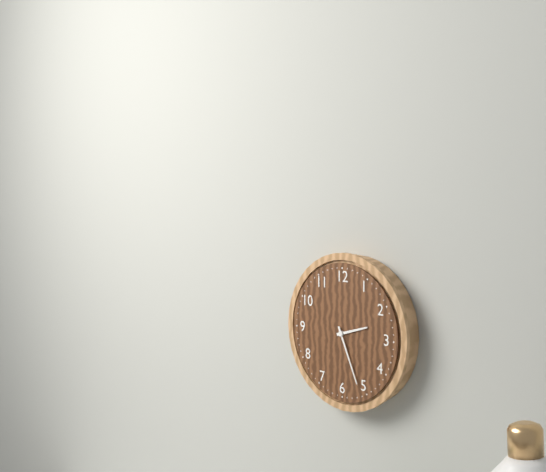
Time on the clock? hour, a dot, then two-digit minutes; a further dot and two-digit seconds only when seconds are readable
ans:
2.26
